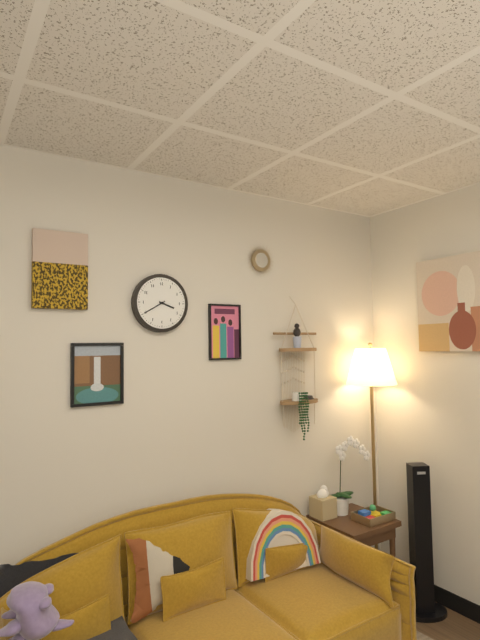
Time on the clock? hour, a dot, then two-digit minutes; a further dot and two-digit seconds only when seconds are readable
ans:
3.40
